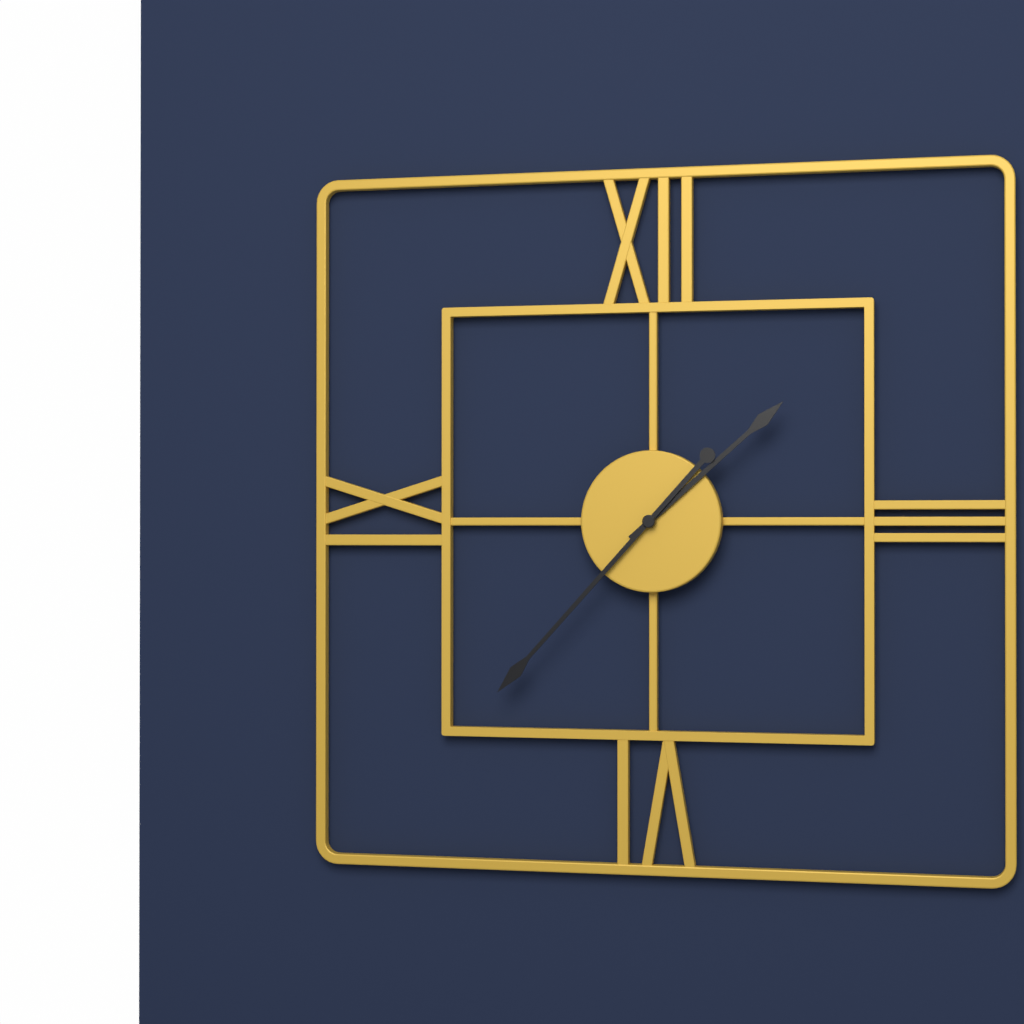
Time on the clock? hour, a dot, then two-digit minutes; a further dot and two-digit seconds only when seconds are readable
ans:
1.37
